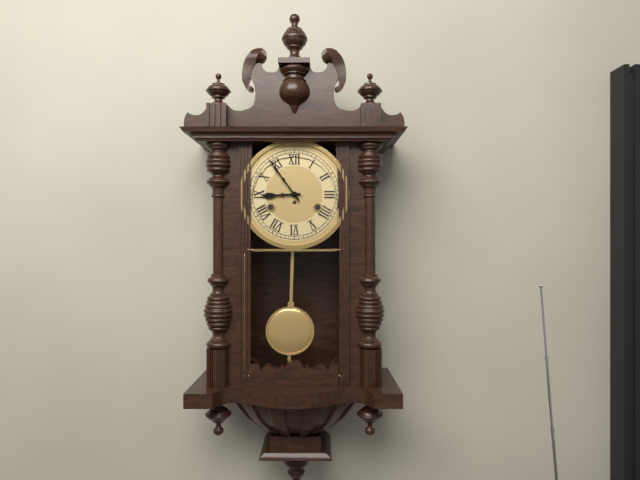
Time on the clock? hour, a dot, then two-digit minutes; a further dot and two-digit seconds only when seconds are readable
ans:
8.54
